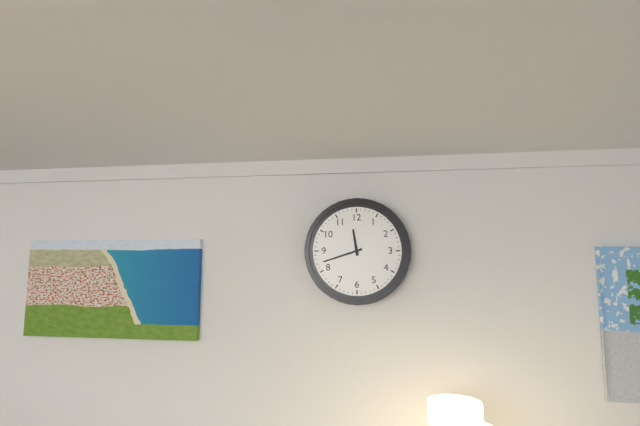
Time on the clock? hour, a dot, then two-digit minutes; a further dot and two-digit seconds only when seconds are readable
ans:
11.42
